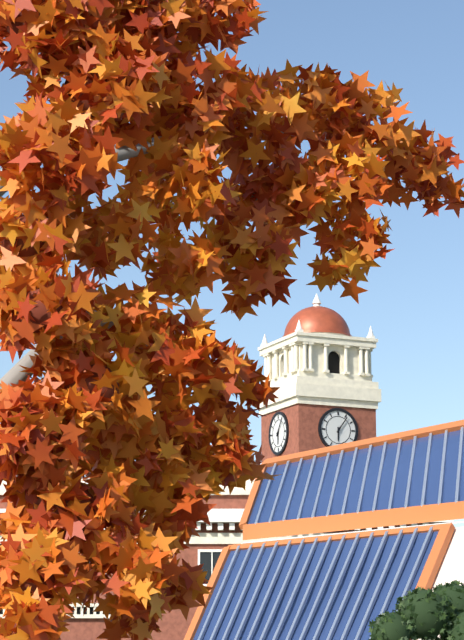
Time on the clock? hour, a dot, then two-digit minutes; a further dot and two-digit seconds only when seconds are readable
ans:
6.06
